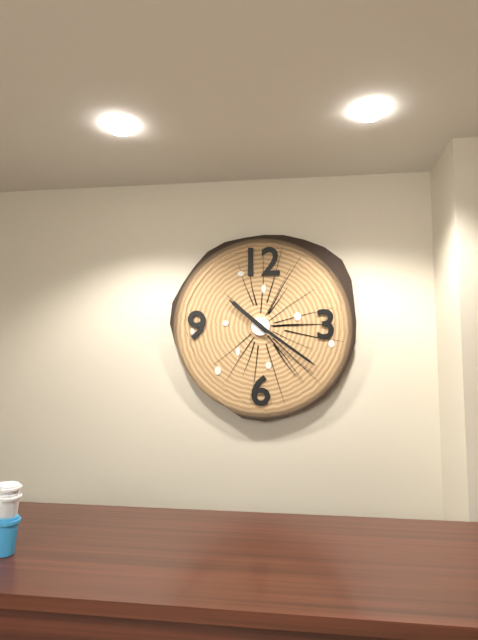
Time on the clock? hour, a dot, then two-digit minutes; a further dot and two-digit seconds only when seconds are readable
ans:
10.21
